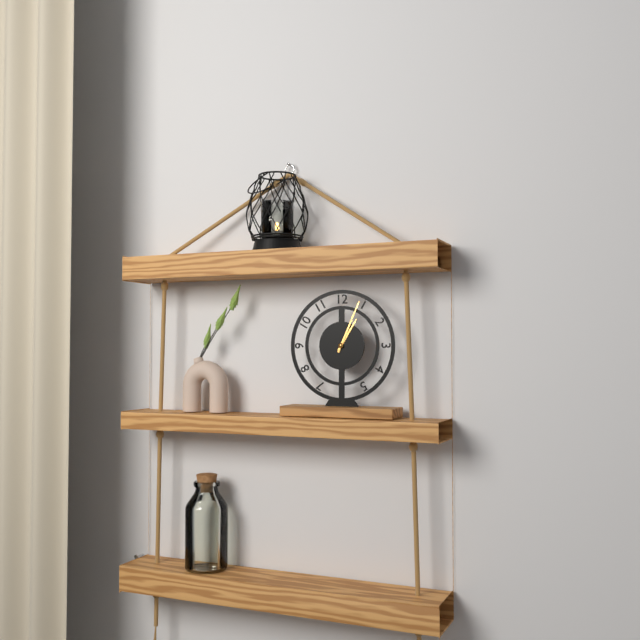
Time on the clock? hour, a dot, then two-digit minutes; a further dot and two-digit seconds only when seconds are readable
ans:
1.04
